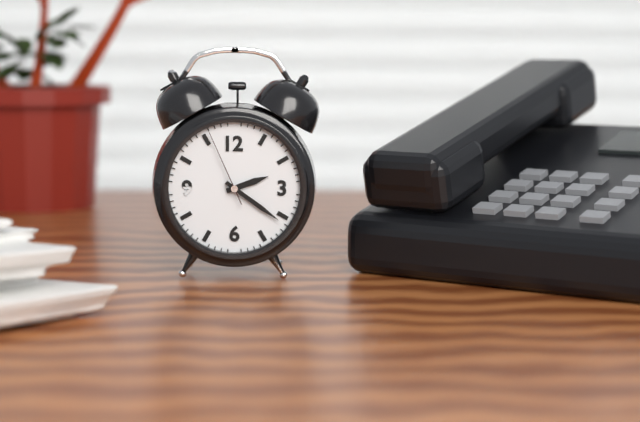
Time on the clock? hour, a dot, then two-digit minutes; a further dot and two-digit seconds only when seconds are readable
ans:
2.21.56
